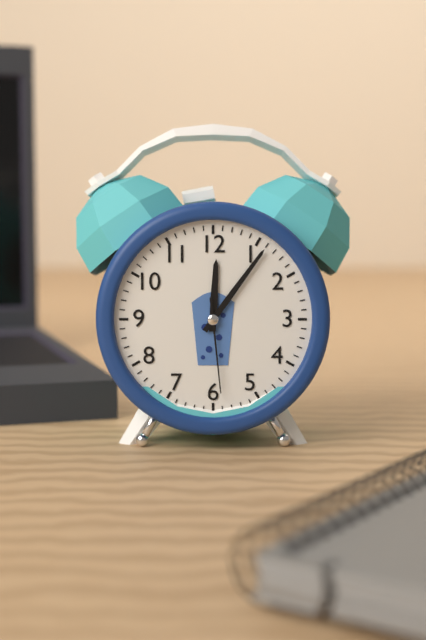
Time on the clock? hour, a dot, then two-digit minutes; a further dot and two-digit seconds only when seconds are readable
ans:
12.06.29
